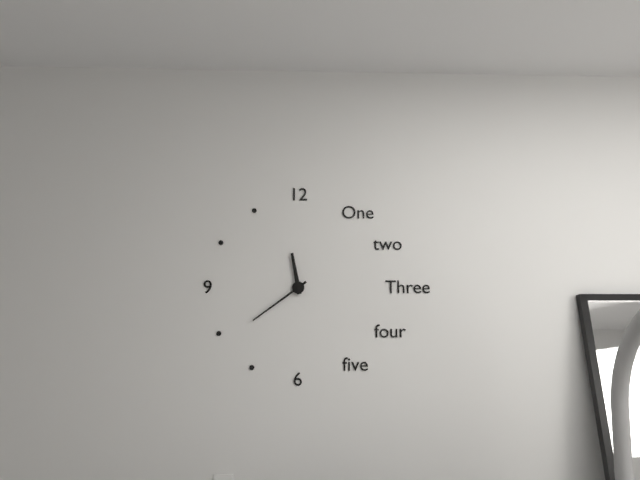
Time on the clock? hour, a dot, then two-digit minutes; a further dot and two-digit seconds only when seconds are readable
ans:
11.39
